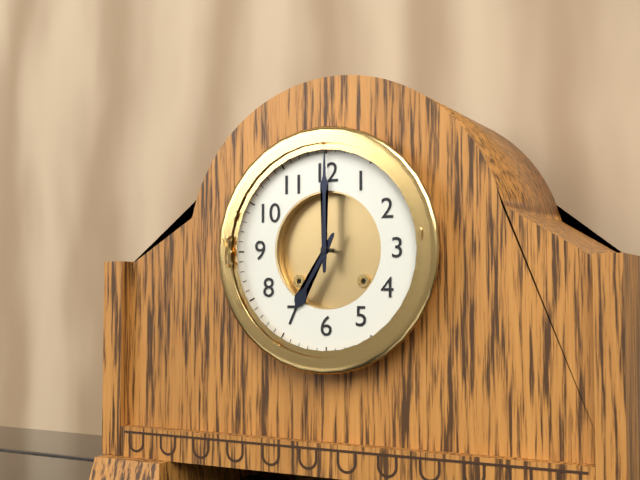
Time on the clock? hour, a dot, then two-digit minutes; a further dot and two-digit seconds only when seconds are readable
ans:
7.00
